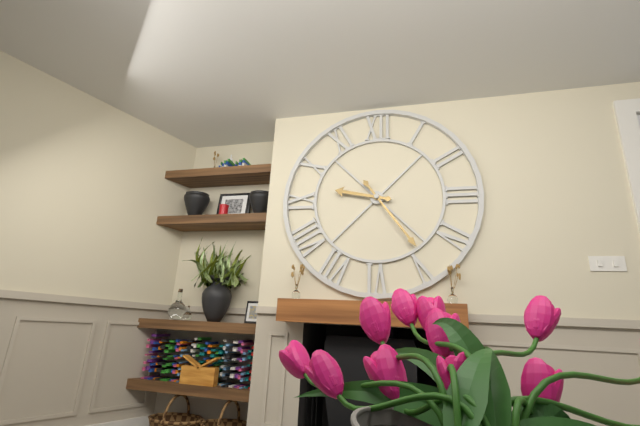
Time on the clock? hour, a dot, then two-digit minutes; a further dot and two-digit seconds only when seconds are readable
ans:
9.24
